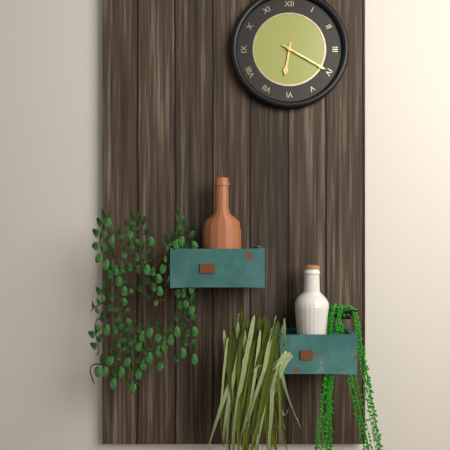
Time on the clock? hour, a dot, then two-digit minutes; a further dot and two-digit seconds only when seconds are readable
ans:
6.20
